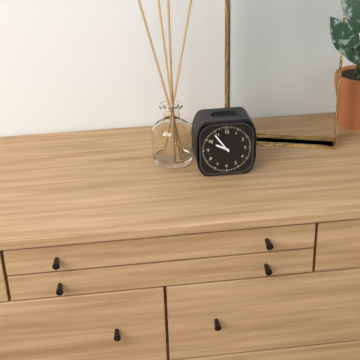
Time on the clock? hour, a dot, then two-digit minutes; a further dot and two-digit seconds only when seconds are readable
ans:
9.54
